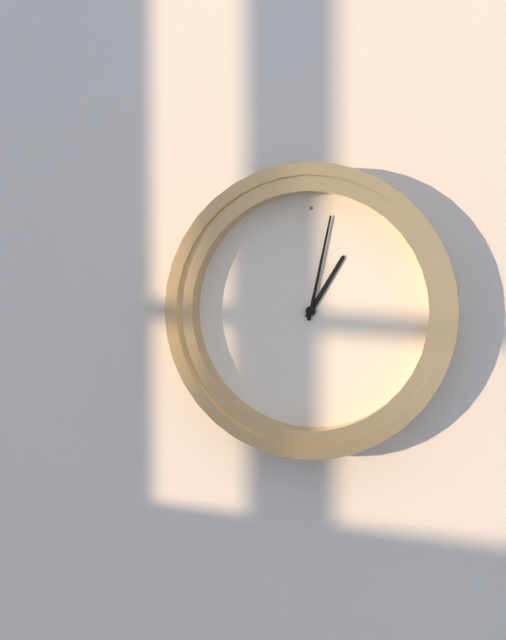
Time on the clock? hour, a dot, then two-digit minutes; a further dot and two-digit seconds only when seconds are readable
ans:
1.02
